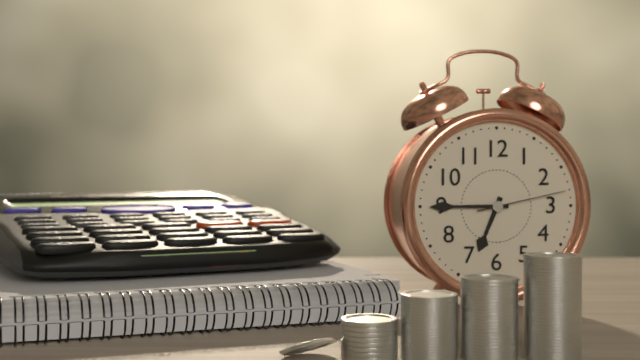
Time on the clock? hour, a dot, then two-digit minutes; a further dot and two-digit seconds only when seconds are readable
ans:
6.45.13
